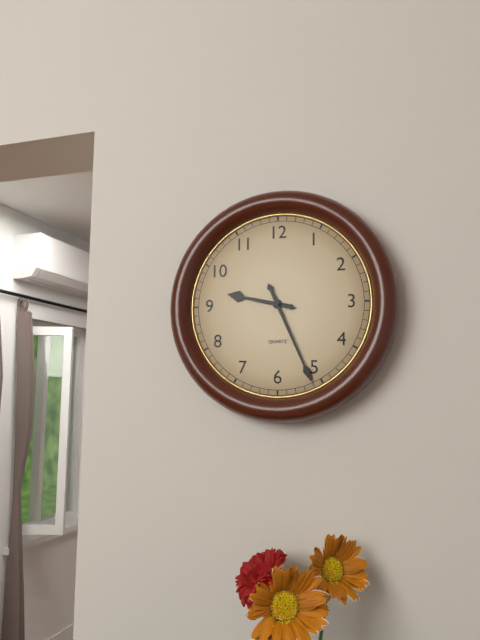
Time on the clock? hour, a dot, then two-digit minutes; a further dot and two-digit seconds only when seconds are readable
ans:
9.26
